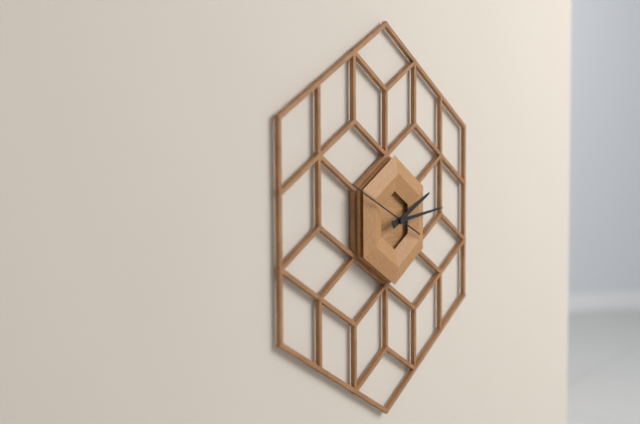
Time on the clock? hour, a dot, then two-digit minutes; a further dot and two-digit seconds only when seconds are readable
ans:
2.14.49
